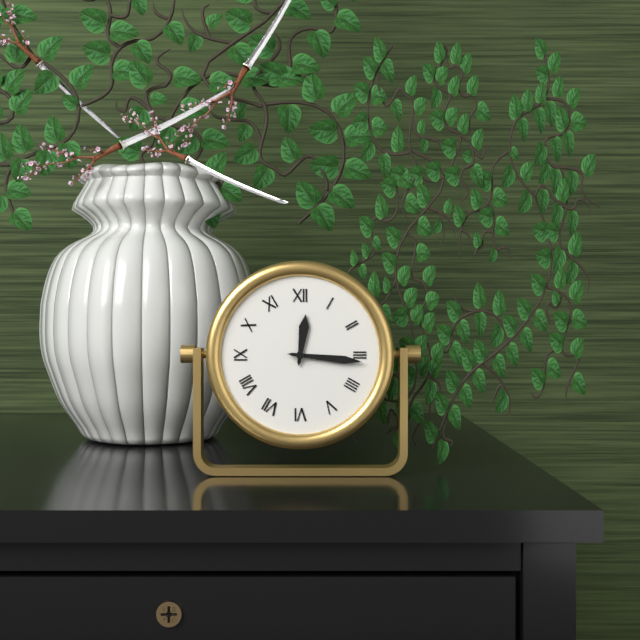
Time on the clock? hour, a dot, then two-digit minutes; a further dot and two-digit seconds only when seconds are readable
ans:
12.16
